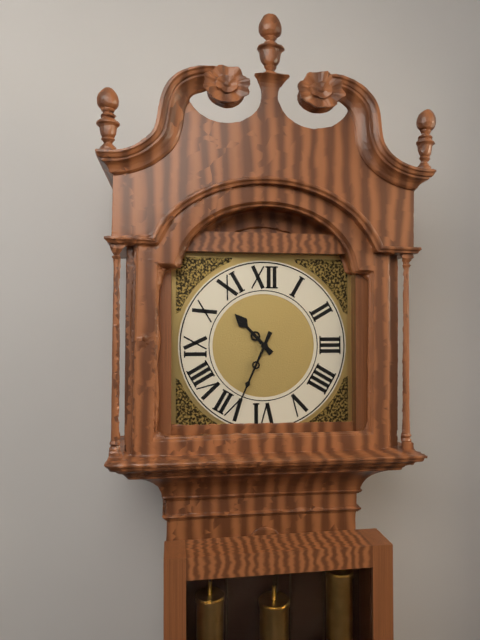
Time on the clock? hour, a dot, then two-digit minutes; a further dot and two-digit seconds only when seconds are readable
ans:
10.34
